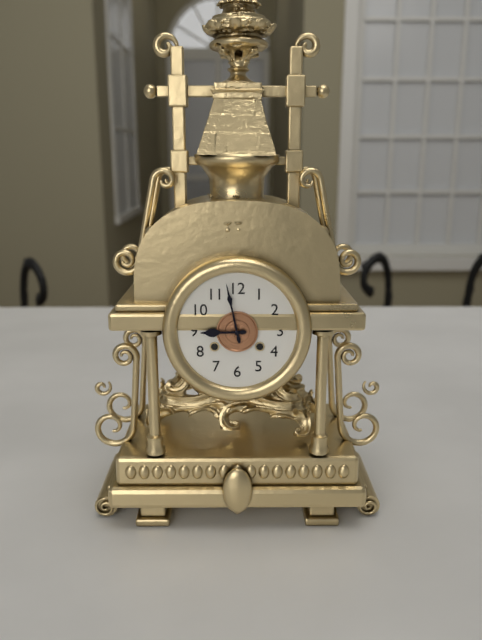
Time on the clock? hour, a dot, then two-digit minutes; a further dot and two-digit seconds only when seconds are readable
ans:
8.58
